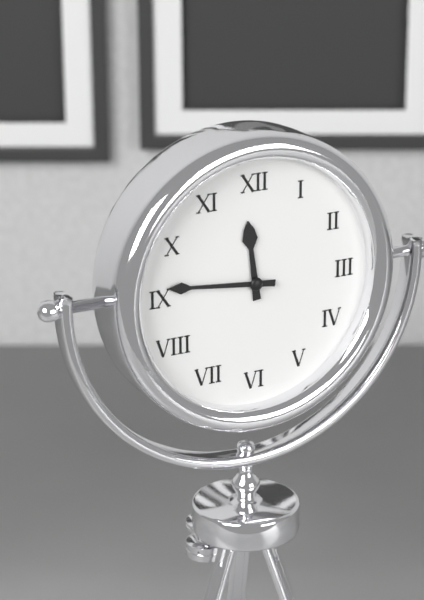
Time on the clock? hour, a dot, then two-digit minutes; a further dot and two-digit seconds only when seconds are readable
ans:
11.46
